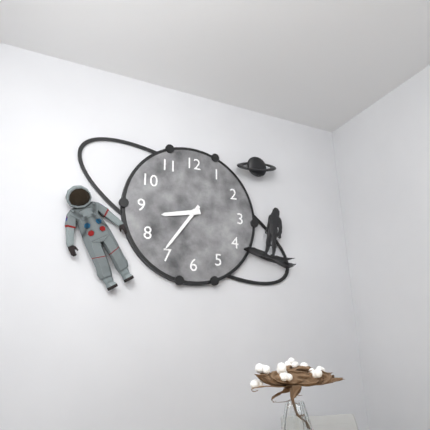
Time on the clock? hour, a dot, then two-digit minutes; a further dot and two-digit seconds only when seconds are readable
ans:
8.36
